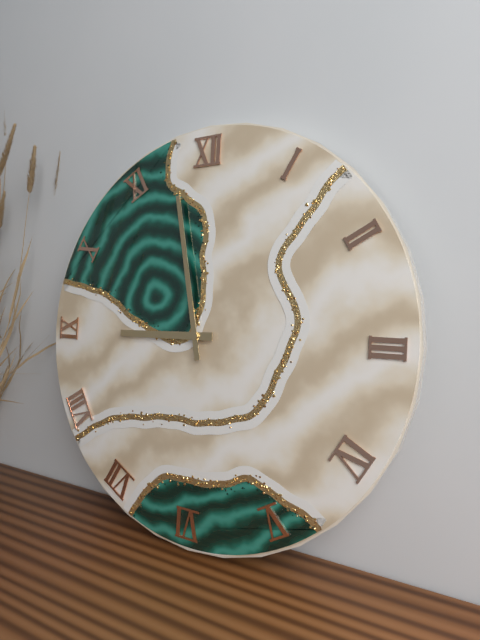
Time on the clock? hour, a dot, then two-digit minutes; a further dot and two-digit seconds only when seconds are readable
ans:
8.58
